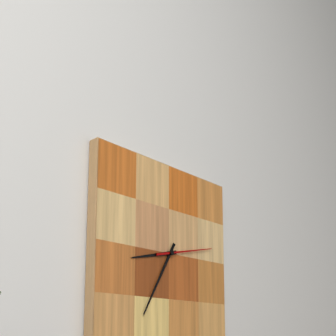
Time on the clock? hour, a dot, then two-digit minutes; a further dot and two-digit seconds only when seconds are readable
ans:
8.35.13
